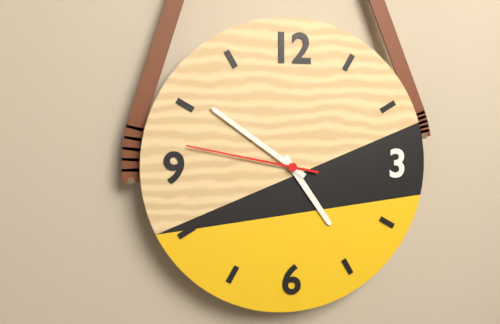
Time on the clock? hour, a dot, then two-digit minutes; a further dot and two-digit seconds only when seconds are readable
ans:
4.51.47
